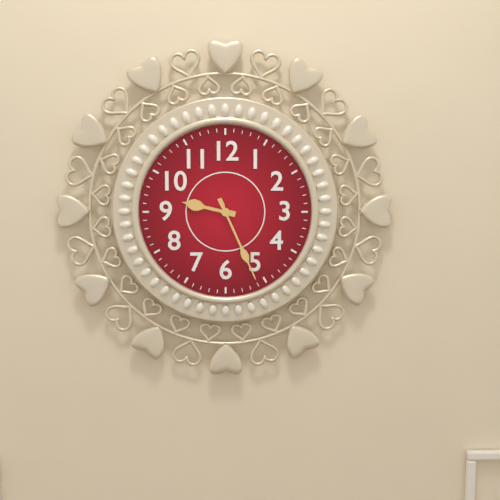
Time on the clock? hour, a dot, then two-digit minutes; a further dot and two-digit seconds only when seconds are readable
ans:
9.26
